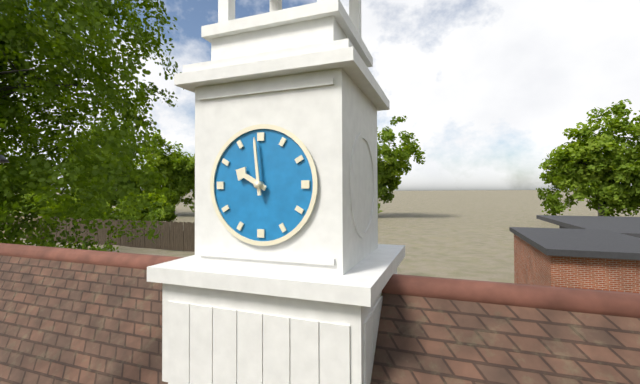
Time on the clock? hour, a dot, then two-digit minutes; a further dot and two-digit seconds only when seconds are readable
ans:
9.59
